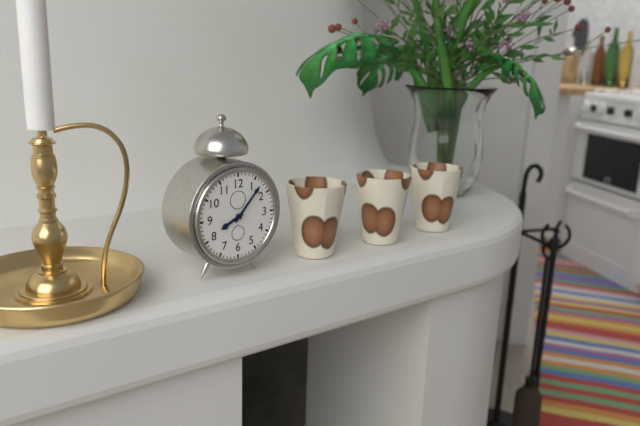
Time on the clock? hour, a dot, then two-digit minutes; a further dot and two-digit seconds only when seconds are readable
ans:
8.07
